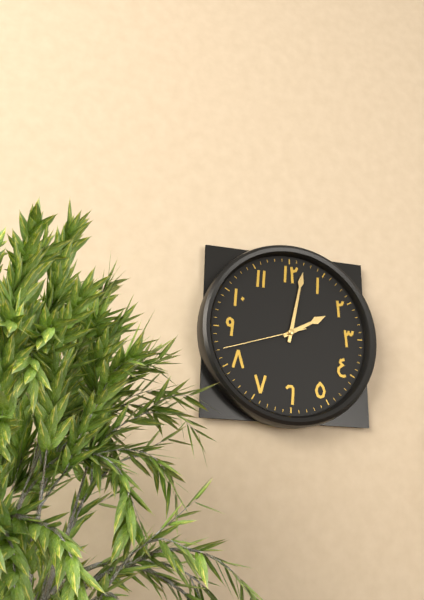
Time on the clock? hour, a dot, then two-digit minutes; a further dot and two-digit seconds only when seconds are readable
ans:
2.02.42
